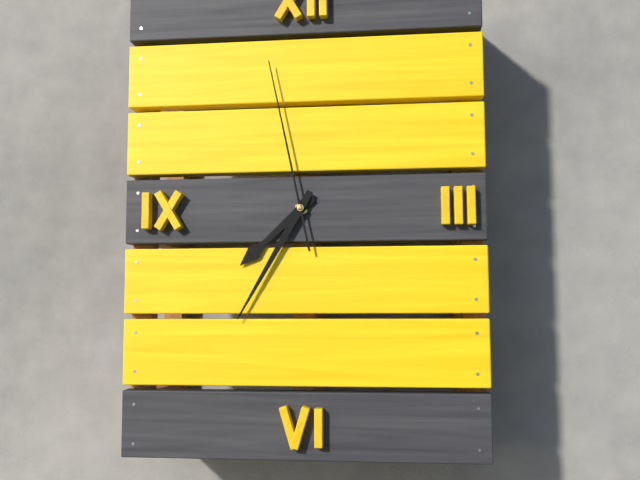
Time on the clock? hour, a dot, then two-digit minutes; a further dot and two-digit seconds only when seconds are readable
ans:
7.35.58
